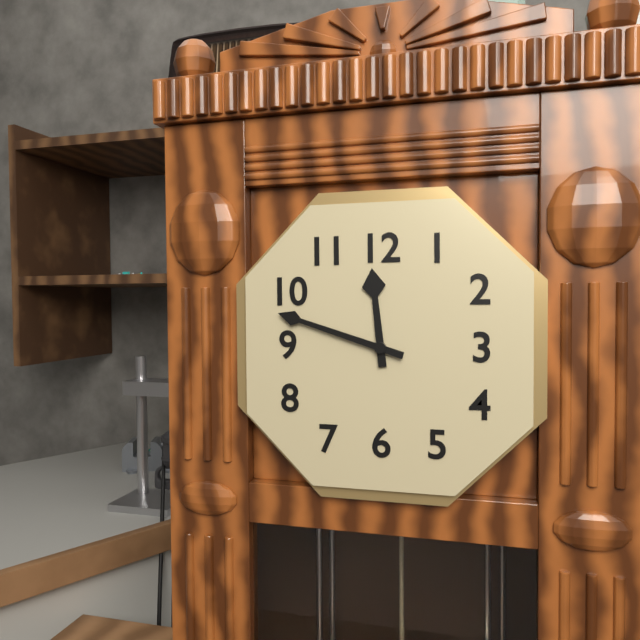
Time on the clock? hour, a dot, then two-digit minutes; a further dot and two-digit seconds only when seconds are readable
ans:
11.48
